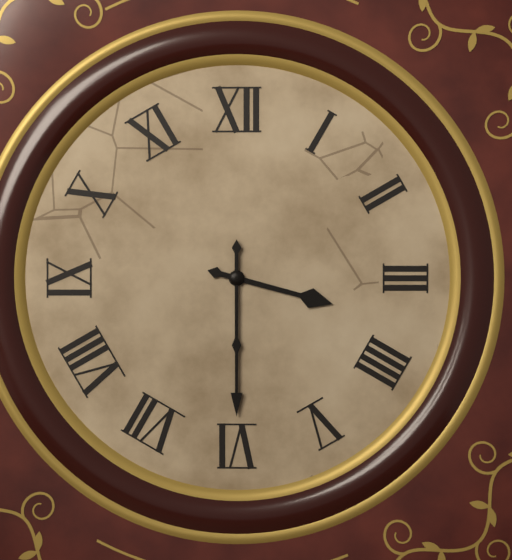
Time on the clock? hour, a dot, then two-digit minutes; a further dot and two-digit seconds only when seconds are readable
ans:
3.30
